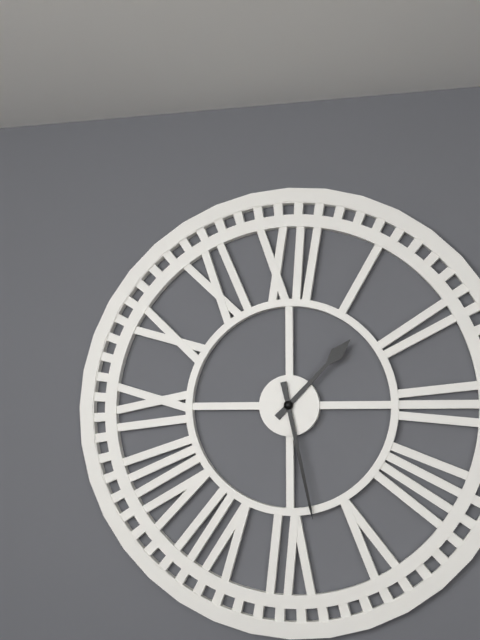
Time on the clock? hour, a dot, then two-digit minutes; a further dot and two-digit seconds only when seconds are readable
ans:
1.28
